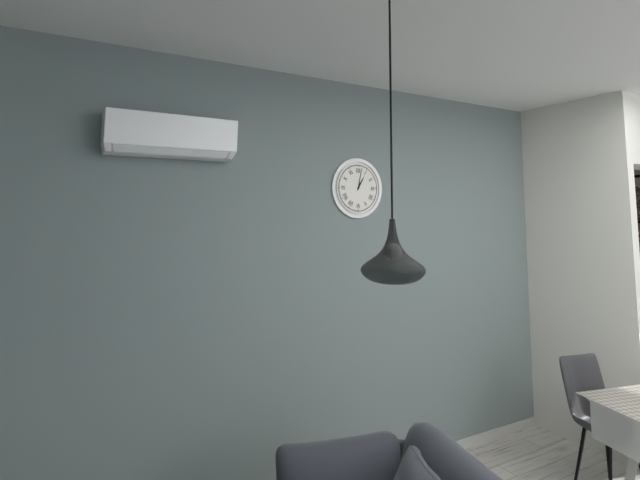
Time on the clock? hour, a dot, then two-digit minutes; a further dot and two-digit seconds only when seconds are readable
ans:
1.02
